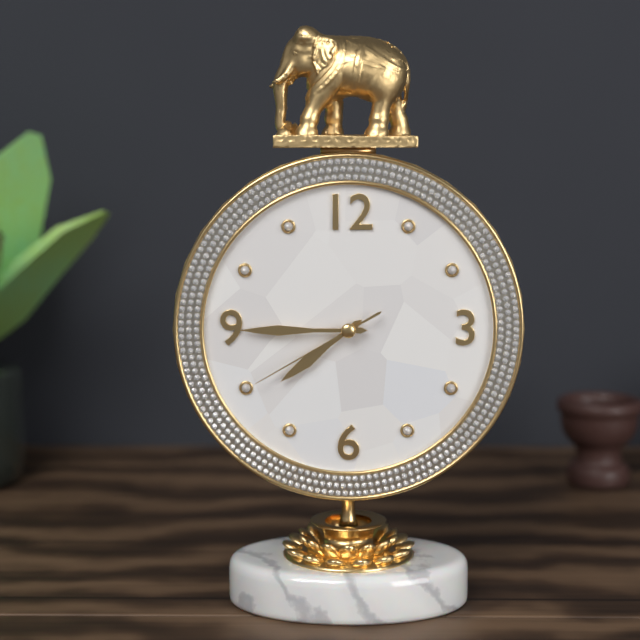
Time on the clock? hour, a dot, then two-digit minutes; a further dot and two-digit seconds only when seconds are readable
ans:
7.45.40
